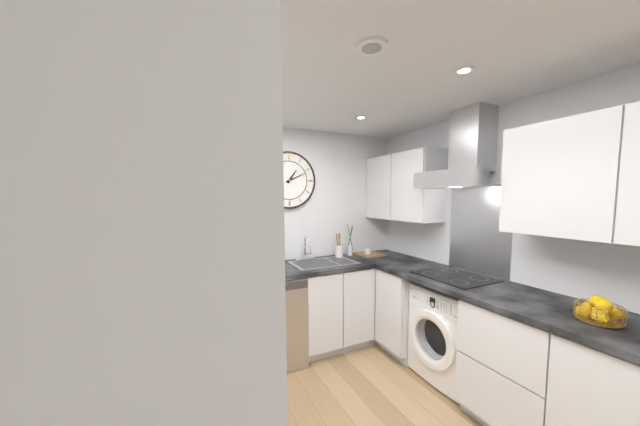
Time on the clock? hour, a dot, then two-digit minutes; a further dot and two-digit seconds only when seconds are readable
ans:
1.11
